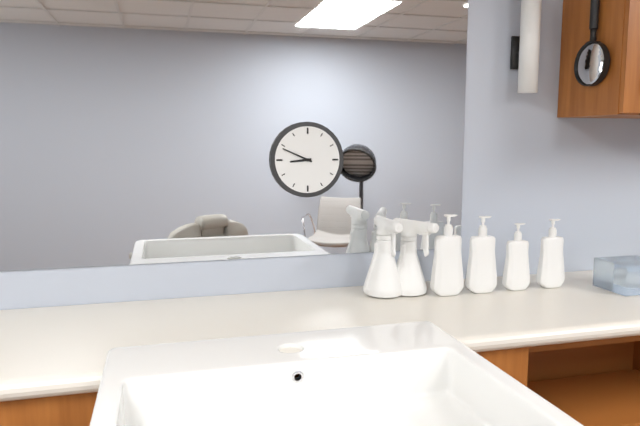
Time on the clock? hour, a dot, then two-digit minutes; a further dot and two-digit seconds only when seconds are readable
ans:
8.49
